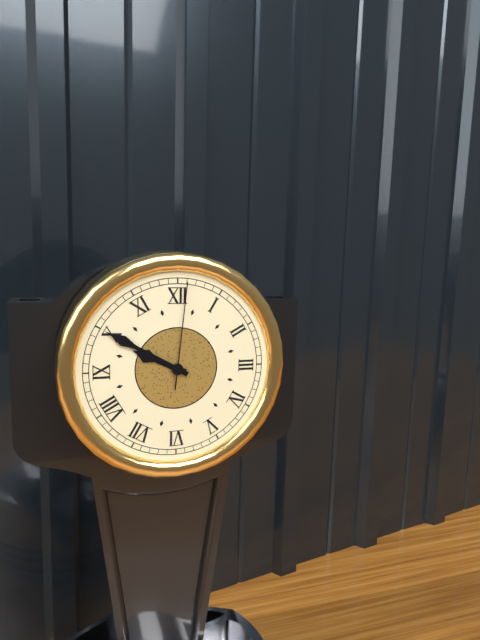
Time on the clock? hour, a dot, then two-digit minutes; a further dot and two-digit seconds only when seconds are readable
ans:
9.50.01
